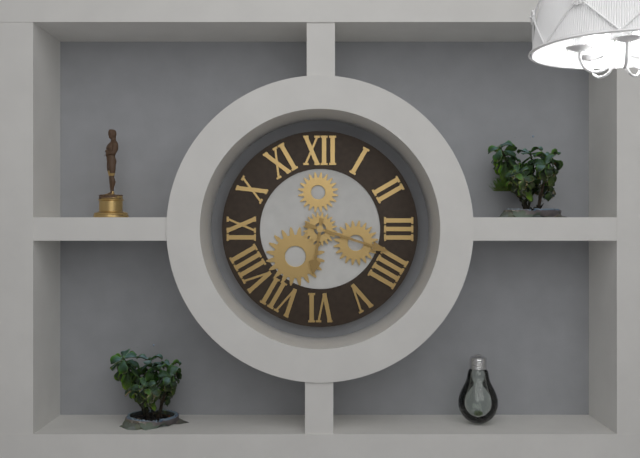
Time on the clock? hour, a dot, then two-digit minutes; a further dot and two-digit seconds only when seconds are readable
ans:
6.18
